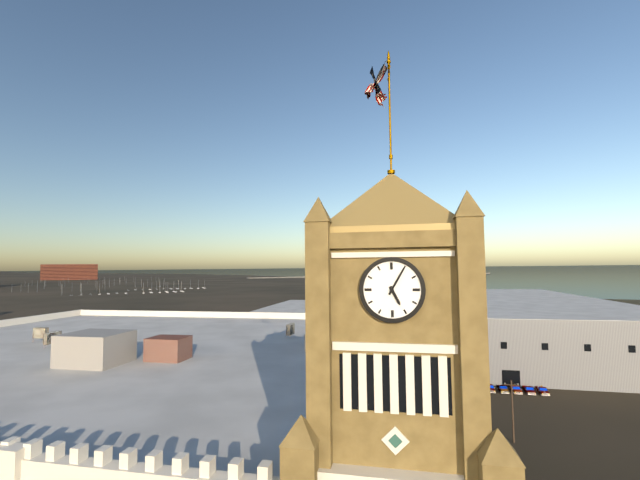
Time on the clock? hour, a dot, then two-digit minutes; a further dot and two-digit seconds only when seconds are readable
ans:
5.05
